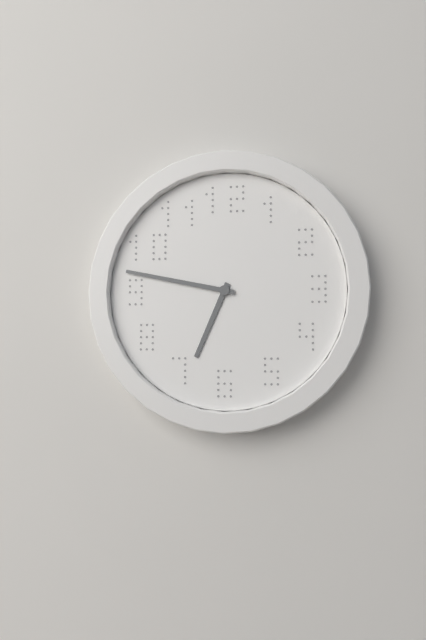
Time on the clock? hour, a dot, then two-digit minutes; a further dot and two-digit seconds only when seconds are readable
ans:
6.47
